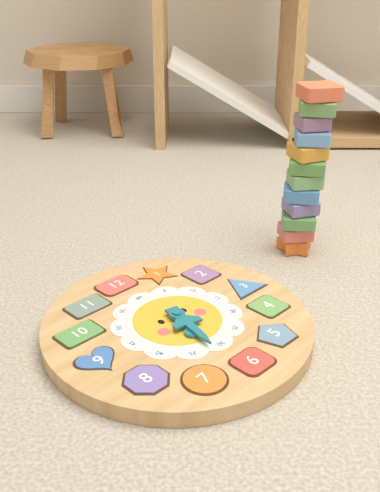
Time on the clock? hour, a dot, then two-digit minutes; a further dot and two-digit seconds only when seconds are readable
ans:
6.32
